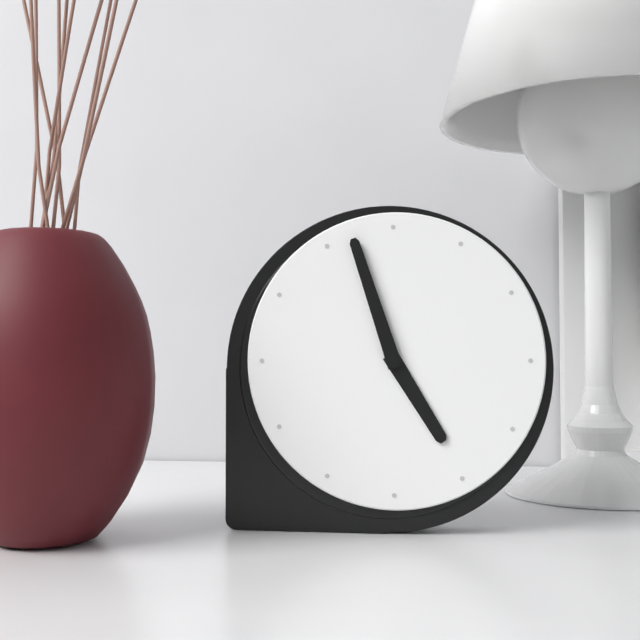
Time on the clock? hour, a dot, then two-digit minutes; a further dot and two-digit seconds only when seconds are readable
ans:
4.57
